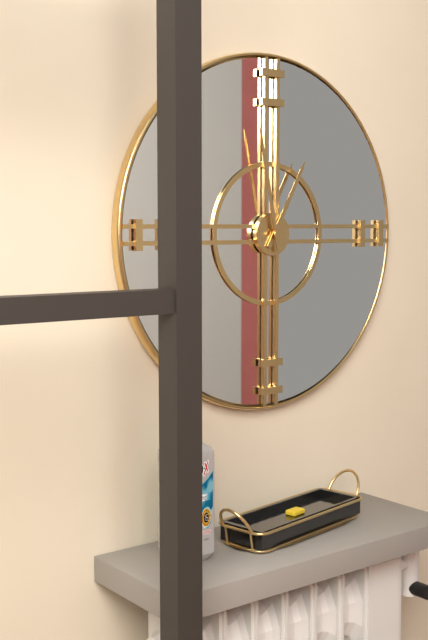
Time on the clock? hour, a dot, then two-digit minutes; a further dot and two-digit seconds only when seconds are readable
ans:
12.58
